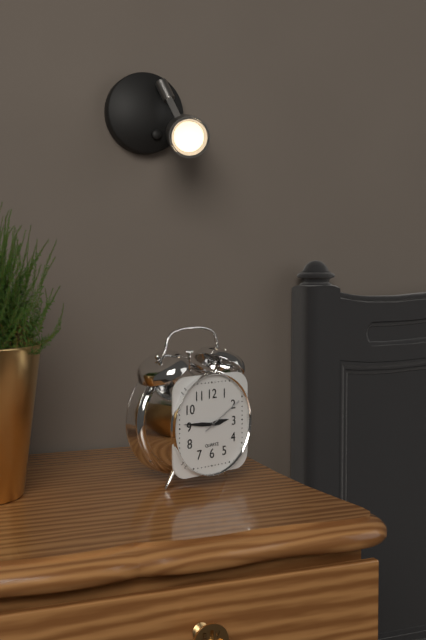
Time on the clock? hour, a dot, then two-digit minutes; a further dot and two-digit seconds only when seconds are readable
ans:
2.46
